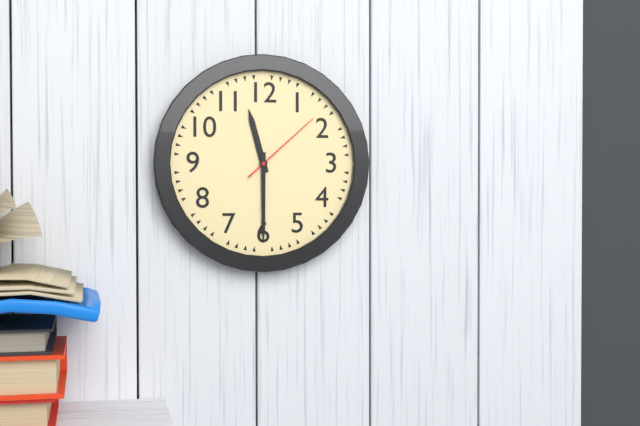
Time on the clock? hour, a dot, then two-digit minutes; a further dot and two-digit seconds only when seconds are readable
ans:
11.30.08
